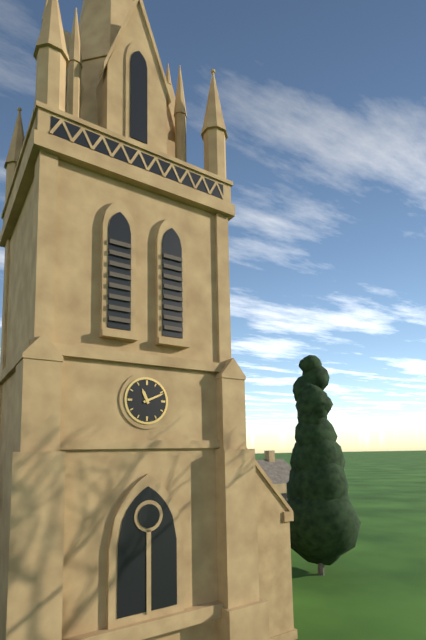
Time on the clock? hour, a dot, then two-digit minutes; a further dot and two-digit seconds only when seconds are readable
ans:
11.11
